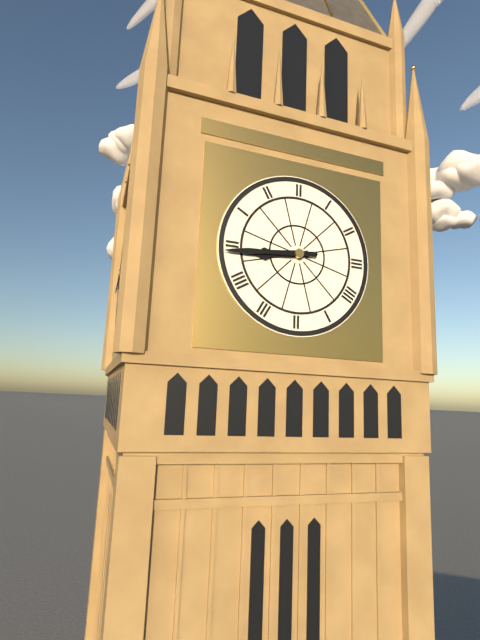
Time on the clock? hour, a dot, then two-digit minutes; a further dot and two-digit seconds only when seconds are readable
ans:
8.44
